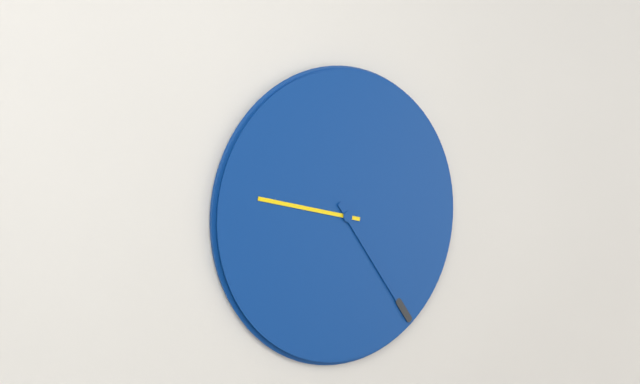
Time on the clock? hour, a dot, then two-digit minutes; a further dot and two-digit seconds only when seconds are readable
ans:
9.24
